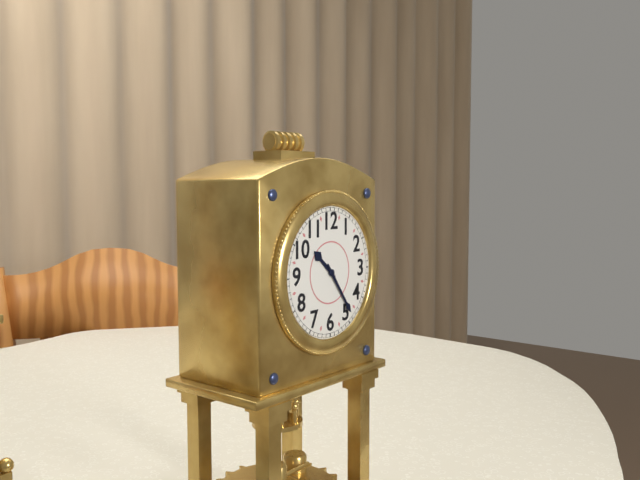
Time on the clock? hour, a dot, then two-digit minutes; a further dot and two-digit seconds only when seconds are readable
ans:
10.24
